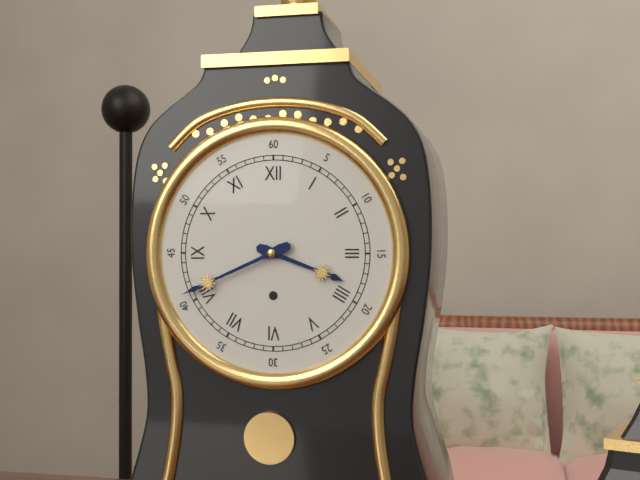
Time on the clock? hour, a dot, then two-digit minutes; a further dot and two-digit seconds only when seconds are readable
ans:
3.41
